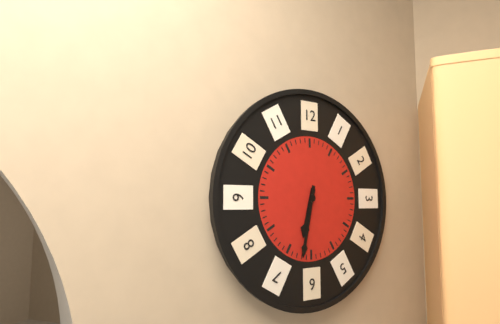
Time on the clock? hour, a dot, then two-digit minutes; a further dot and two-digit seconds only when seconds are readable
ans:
6.32
